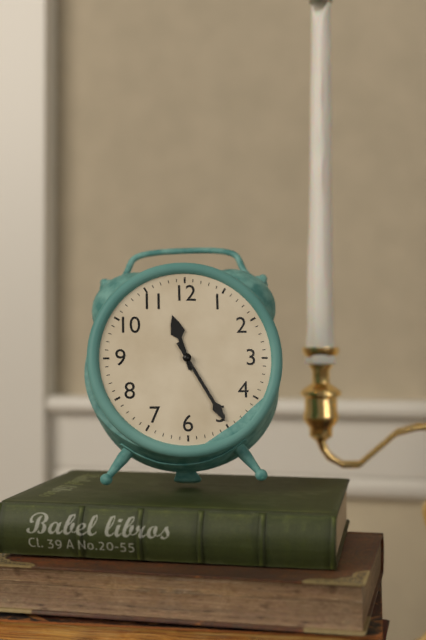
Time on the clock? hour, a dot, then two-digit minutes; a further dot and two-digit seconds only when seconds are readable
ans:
11.25
